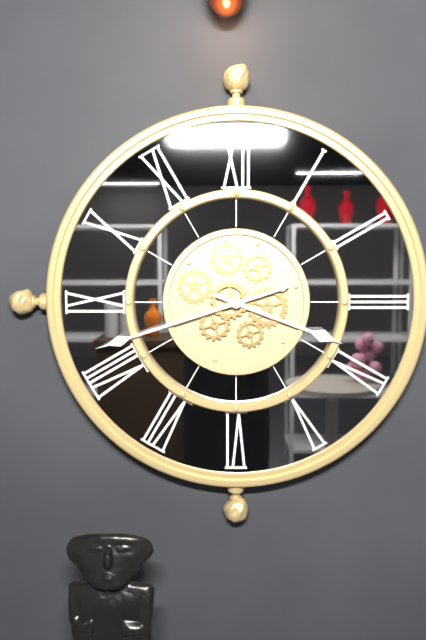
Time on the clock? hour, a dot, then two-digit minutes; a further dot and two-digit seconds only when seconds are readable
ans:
3.42
